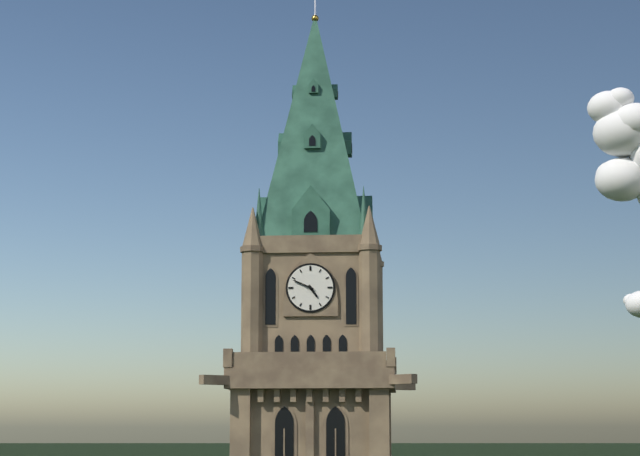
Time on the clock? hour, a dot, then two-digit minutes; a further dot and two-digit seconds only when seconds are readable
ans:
4.49
